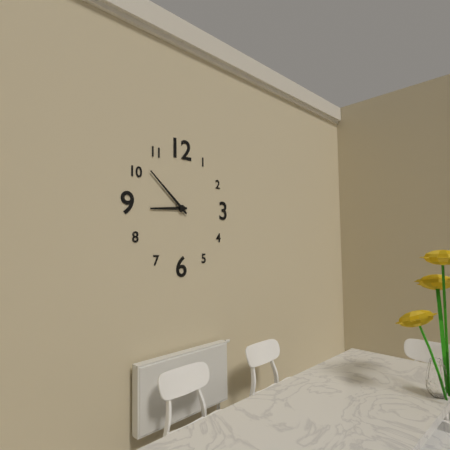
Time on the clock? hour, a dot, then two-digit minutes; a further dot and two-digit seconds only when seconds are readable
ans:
8.52
